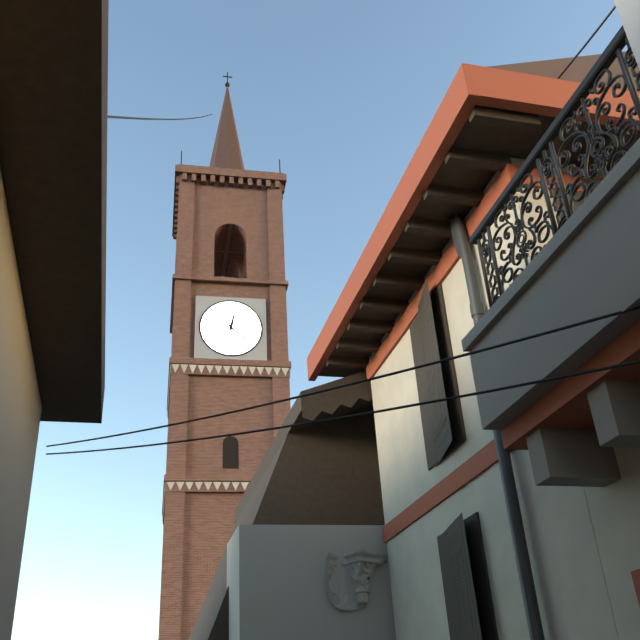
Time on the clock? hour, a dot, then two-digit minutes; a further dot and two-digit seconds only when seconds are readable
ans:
12.22
